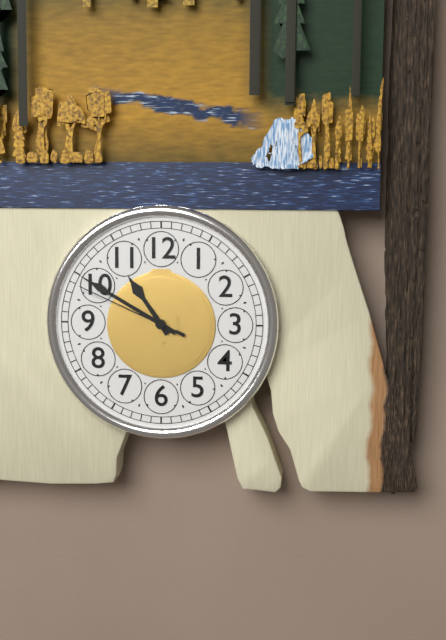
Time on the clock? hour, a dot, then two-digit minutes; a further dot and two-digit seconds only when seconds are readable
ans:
10.50.49
